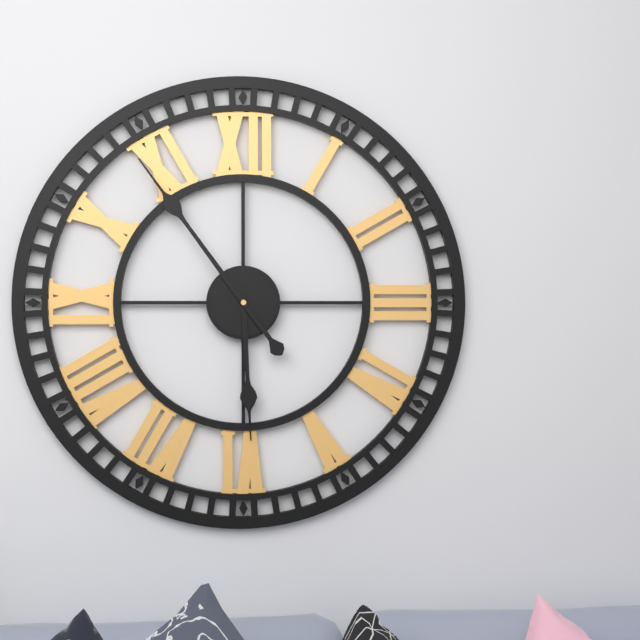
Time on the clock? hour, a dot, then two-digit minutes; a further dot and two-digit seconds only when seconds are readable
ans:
5.54
